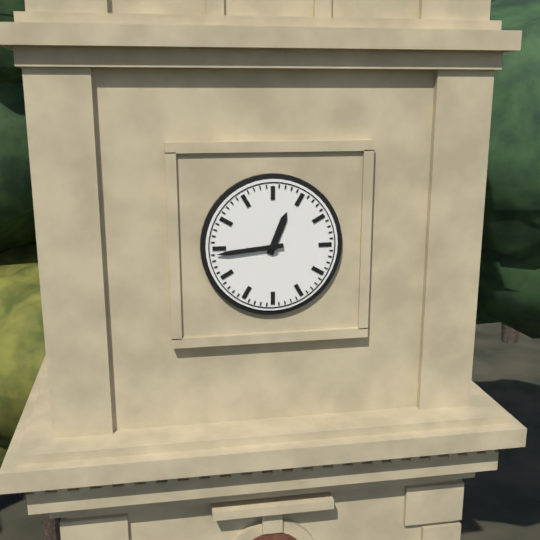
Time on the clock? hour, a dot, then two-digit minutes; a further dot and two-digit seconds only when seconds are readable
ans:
12.44
